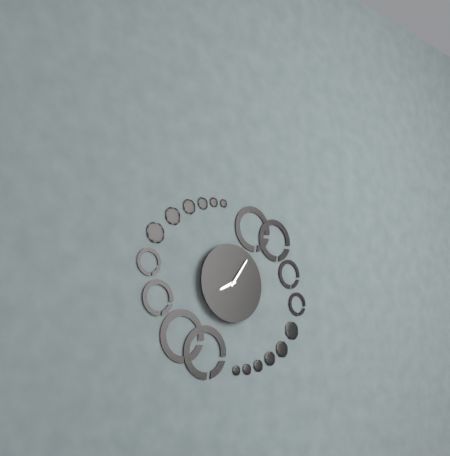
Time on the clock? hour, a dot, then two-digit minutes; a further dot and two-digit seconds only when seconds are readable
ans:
8.06
